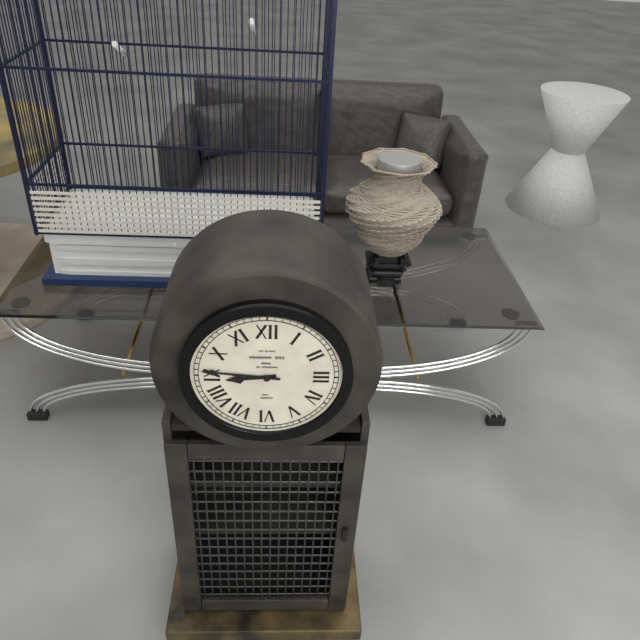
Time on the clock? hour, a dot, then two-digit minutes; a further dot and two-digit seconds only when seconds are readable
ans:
8.46
